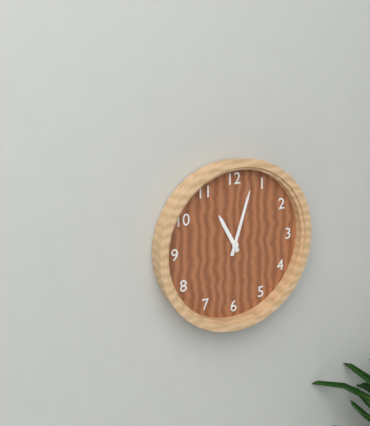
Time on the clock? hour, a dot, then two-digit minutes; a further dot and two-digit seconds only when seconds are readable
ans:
11.03
